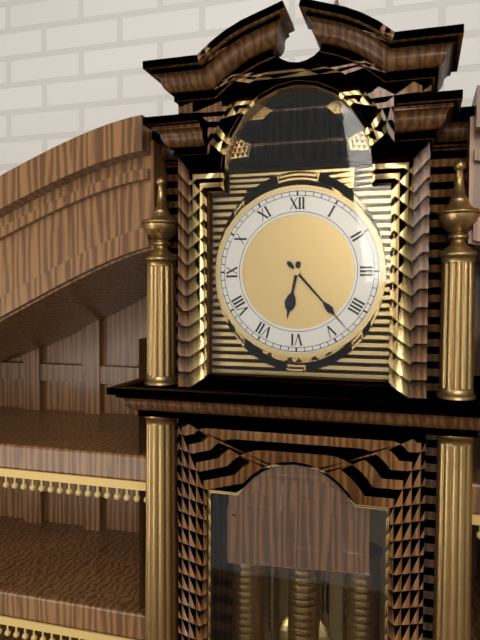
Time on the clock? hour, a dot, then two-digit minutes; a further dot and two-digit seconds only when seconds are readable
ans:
6.23
